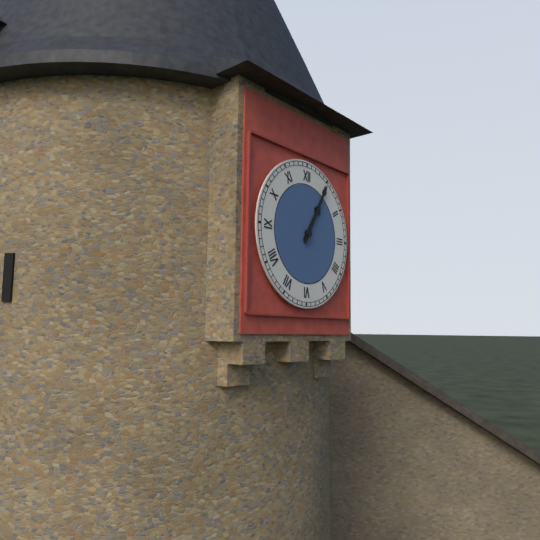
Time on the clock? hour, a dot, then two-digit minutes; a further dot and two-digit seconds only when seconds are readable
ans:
1.05
